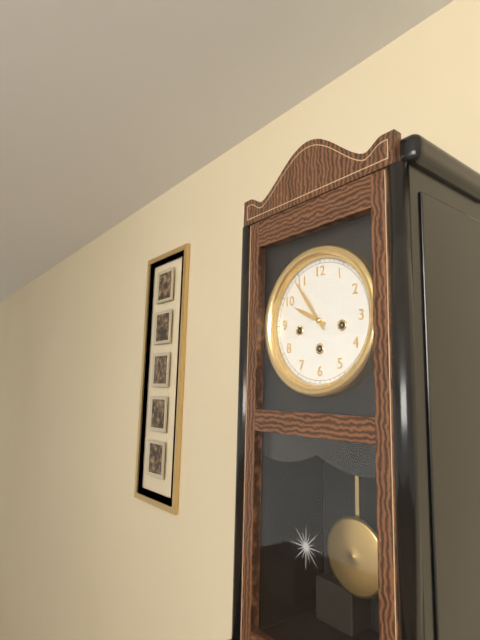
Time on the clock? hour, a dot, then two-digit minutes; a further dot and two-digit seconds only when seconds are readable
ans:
9.54
